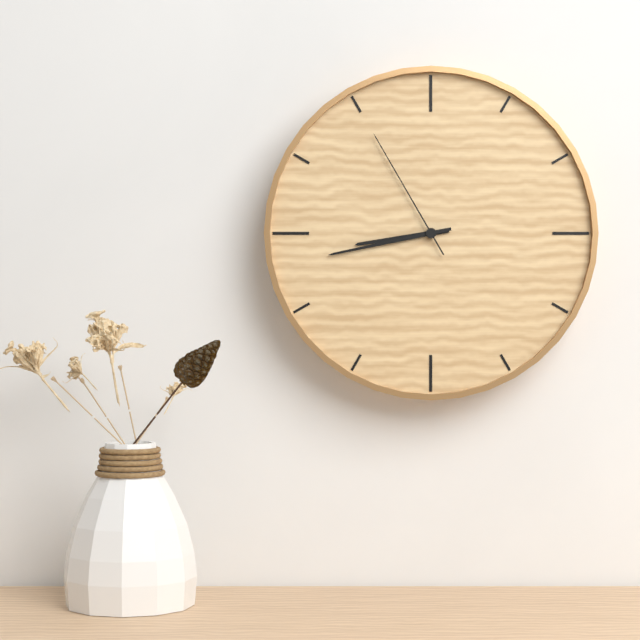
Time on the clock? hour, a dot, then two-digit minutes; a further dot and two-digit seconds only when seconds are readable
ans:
8.43.55
